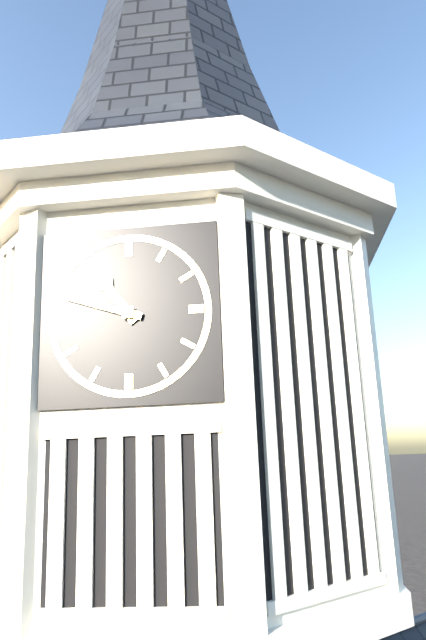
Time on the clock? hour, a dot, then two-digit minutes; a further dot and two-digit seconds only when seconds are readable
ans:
10.48
